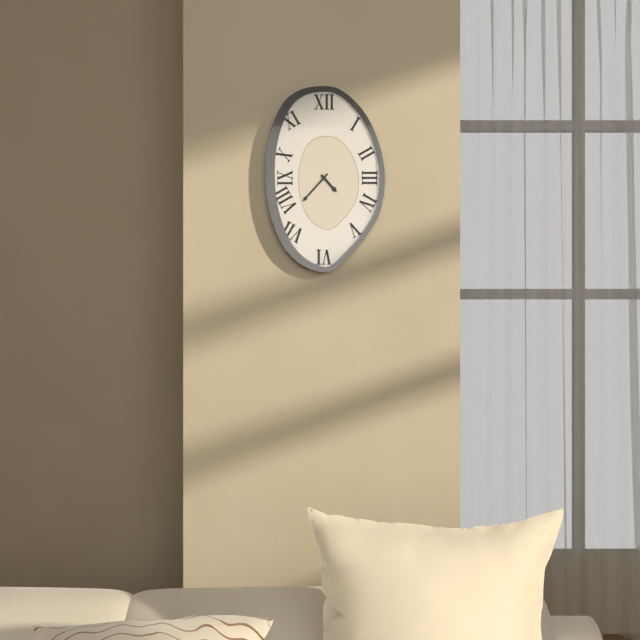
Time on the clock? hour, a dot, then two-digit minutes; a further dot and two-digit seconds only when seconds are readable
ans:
4.37
